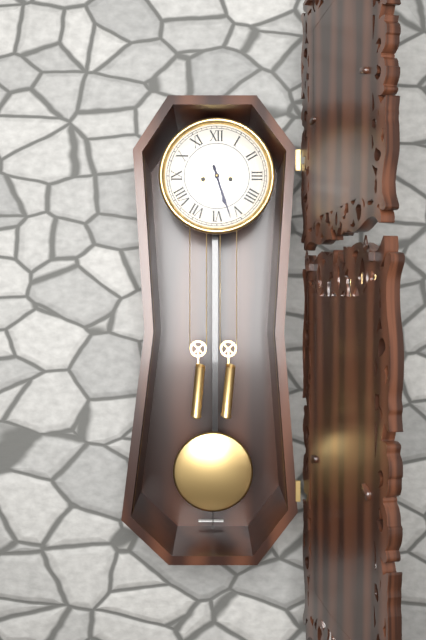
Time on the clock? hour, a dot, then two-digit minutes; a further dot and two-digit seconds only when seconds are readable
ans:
5.27
